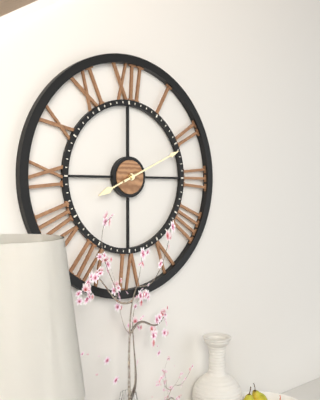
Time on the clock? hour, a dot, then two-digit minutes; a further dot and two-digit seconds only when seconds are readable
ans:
8.11
